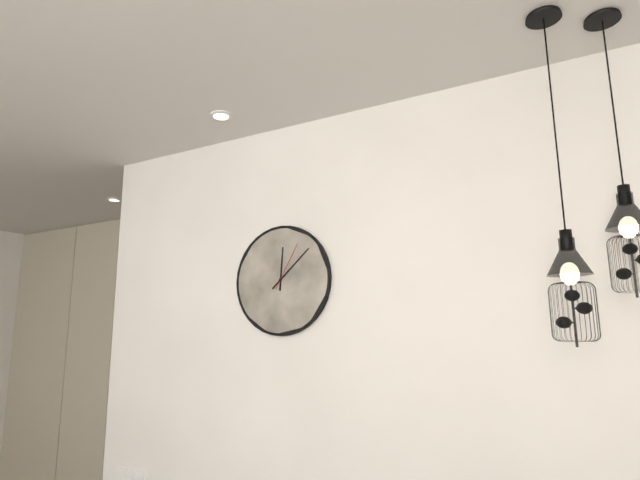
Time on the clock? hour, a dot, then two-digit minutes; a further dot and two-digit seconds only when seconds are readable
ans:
12.08.05
